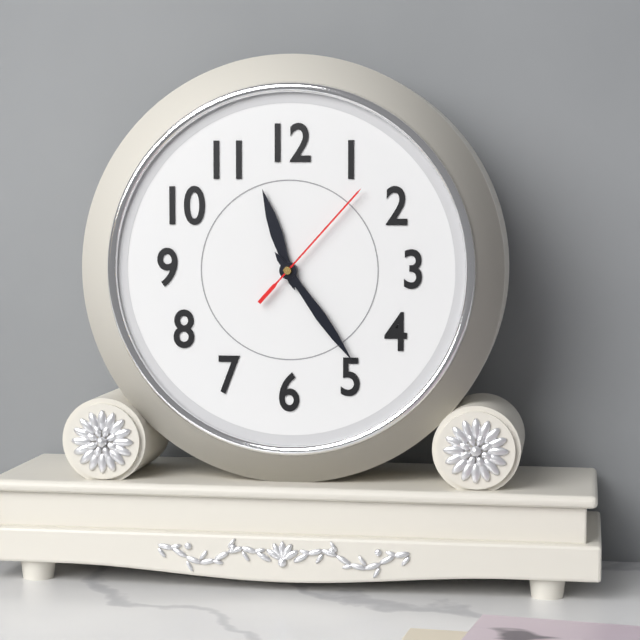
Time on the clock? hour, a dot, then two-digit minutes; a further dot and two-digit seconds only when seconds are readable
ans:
11.24.07
